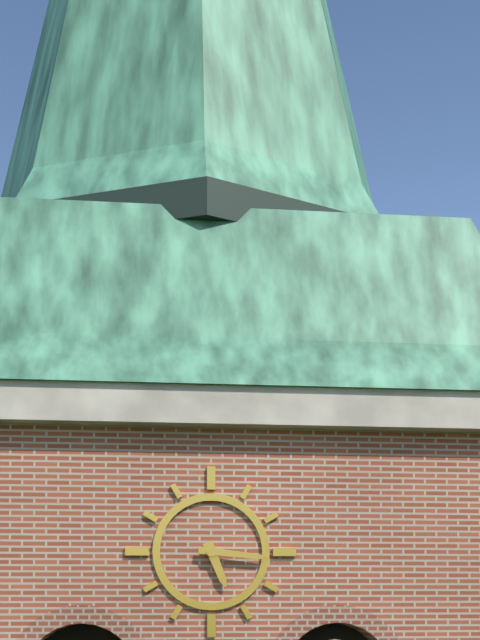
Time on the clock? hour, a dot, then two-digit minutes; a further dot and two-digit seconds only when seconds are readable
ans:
5.16
